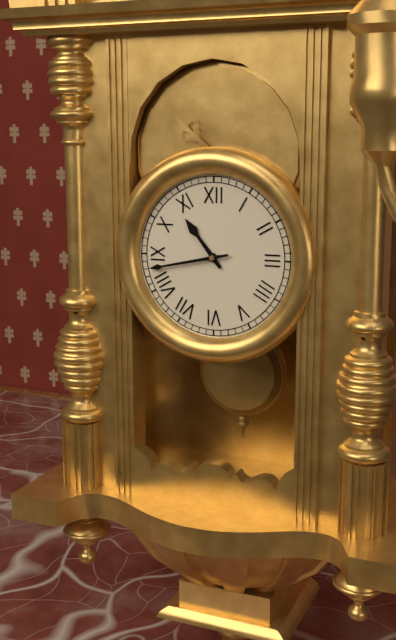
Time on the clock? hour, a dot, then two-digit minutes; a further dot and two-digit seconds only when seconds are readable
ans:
10.43
